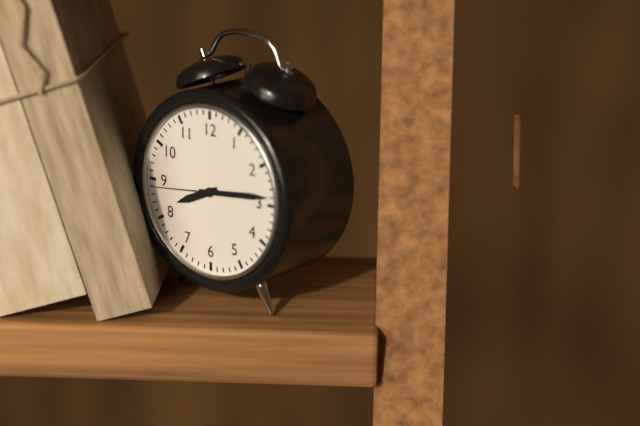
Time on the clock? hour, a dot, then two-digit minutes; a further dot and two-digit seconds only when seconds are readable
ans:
8.14.44
